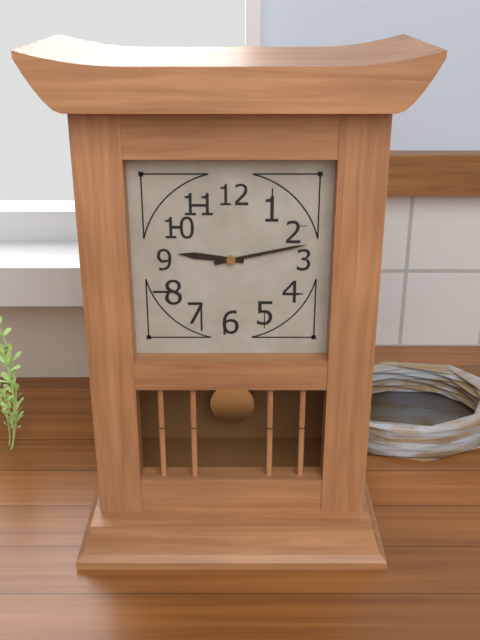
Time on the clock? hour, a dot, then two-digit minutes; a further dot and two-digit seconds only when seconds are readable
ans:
9.13
